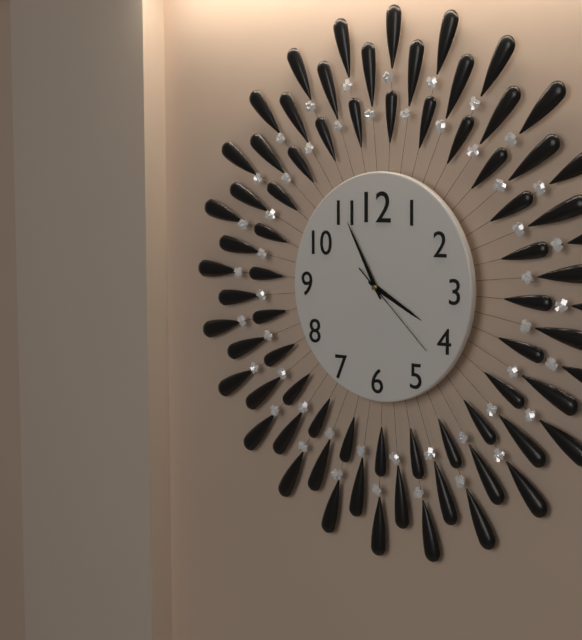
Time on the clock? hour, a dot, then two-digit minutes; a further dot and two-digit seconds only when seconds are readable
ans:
3.55.22
